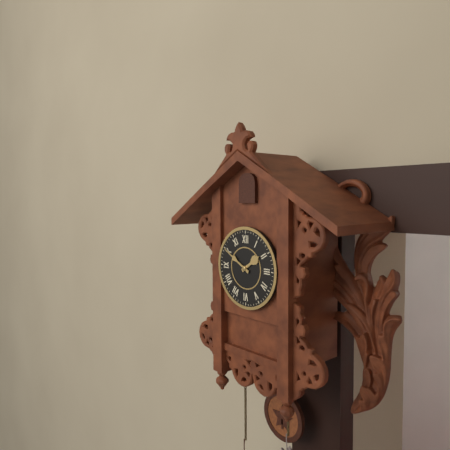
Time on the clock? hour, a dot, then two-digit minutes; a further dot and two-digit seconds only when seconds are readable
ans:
1.50
